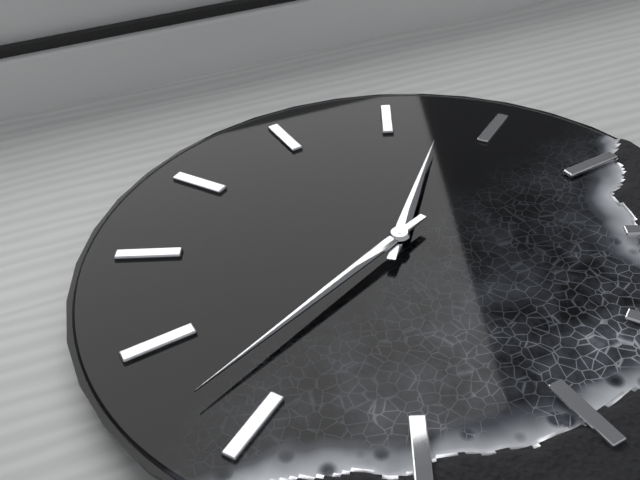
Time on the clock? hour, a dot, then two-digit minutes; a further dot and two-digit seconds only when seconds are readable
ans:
11.32
